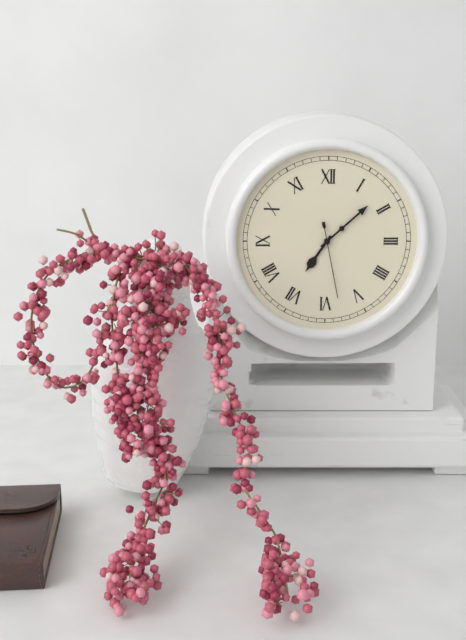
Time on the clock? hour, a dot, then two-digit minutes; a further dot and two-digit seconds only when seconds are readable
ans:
7.08.28
